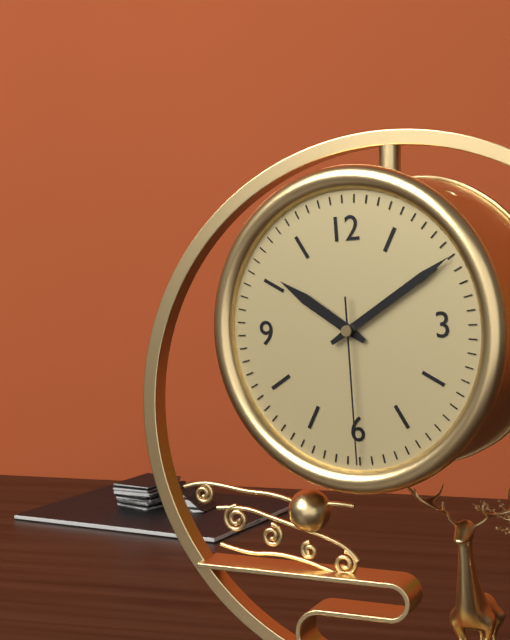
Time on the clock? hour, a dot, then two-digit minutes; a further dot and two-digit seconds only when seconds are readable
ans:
10.10.30
